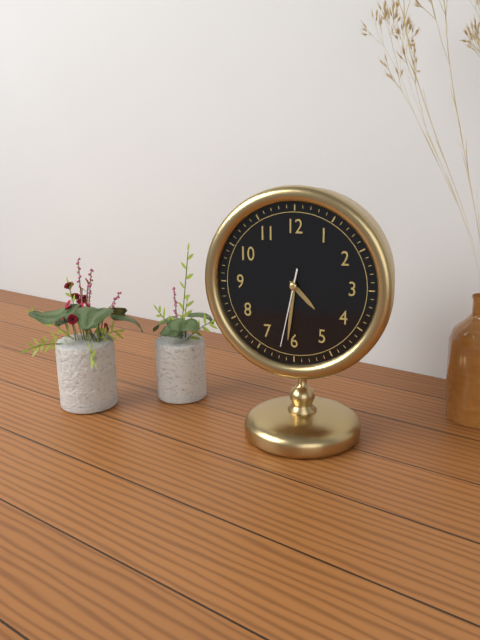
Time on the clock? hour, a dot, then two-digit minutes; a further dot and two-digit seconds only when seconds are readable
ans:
4.31.32
